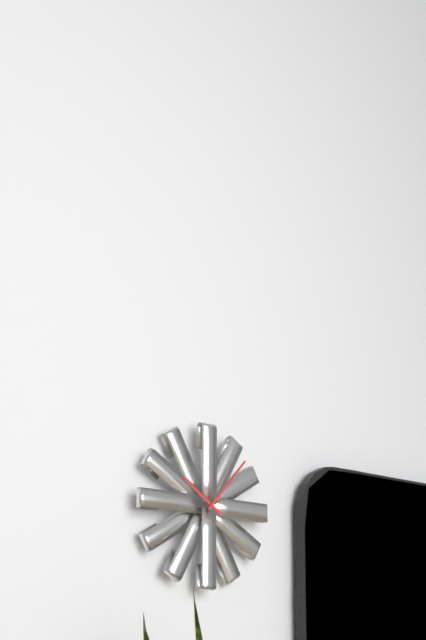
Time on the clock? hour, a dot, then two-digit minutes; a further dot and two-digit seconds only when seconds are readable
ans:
10.07
